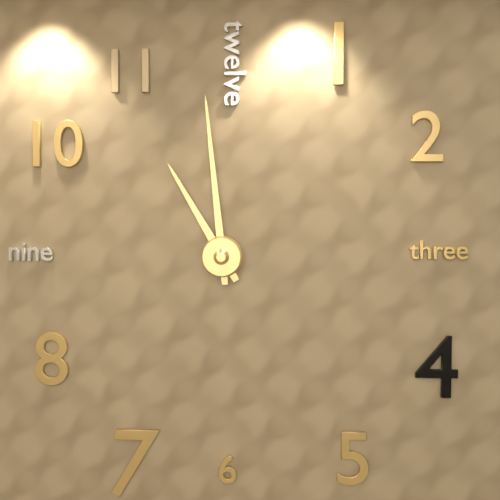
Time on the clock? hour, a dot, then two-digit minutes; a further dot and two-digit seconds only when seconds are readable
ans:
10.59
